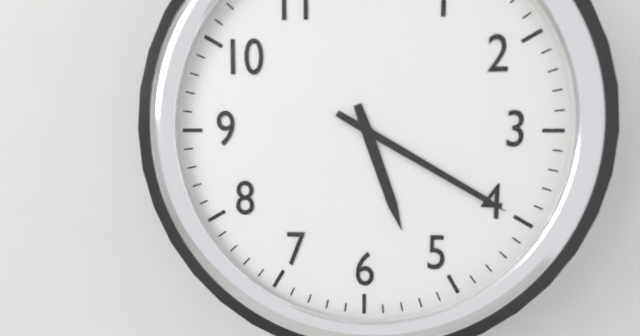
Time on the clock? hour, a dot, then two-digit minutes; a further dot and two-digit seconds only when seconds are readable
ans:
5.20
